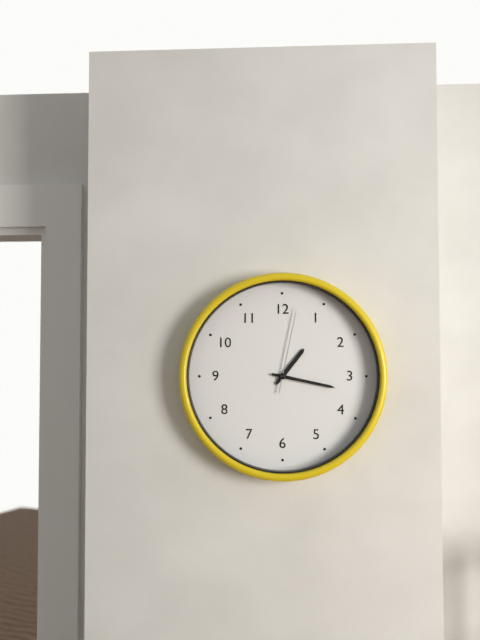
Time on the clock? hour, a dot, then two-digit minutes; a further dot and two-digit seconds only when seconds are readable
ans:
1.17.02
